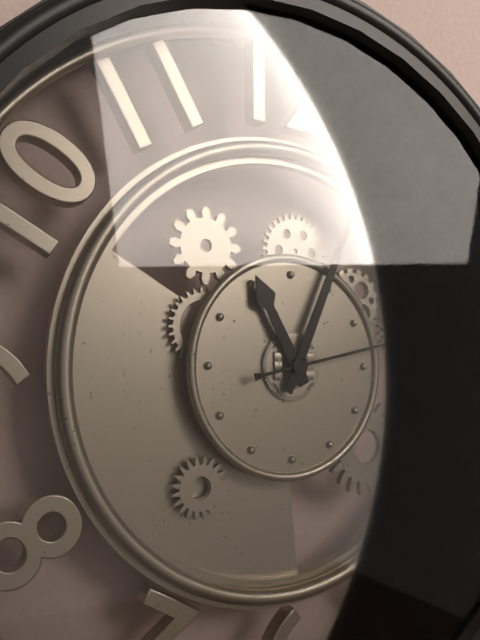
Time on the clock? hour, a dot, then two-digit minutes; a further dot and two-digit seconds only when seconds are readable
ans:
11.04.13
